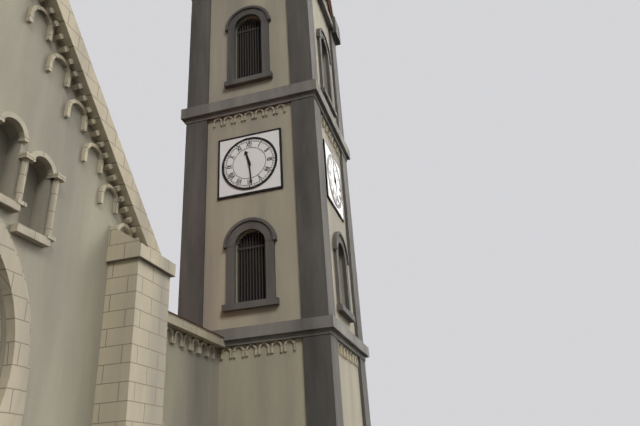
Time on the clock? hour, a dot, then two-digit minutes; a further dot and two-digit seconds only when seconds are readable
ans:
11.29
